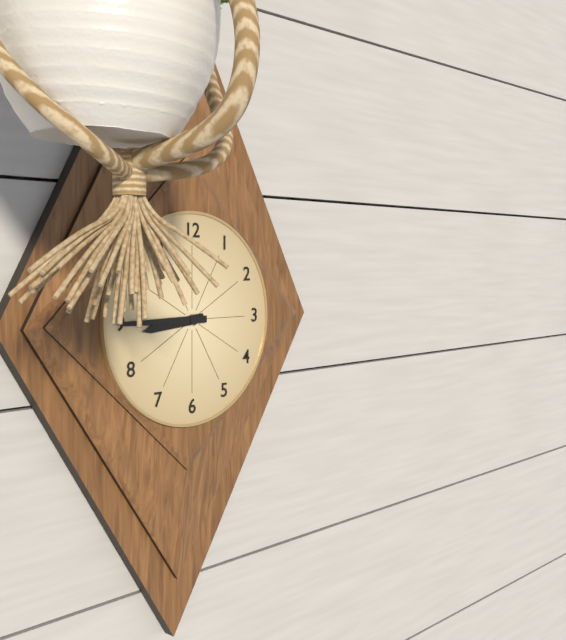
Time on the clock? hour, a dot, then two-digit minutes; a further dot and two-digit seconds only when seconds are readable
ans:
8.45
